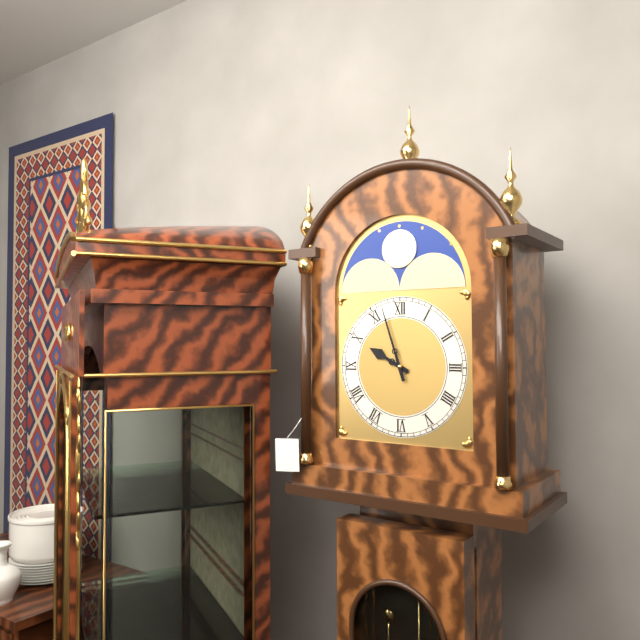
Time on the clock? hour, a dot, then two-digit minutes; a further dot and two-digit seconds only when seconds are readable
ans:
9.57
